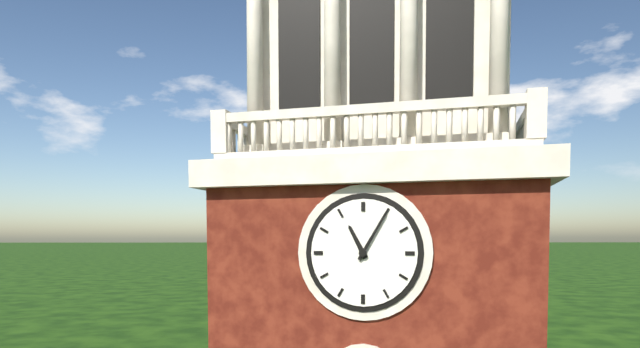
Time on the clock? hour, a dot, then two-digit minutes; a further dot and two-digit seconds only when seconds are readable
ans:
11.05
